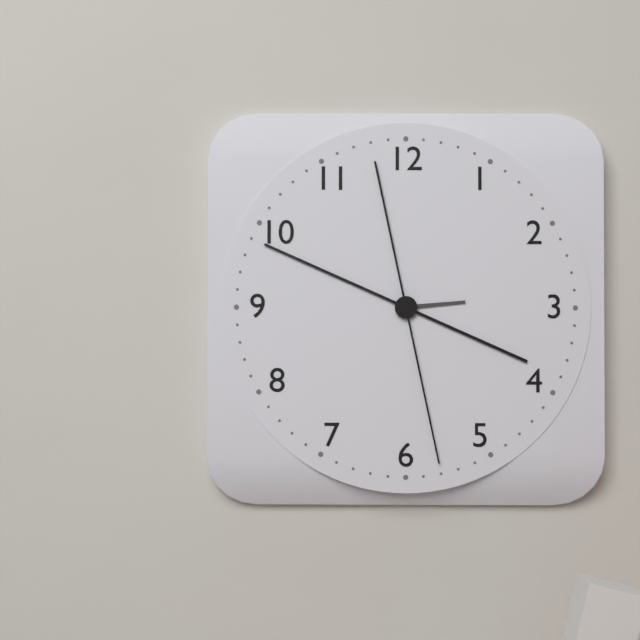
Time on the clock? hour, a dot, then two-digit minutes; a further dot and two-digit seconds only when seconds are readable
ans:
2.49.28
